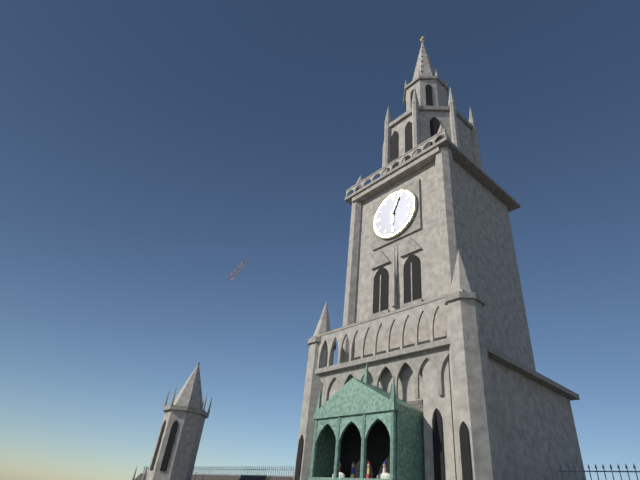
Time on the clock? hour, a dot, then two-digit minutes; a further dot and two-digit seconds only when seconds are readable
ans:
6.04
